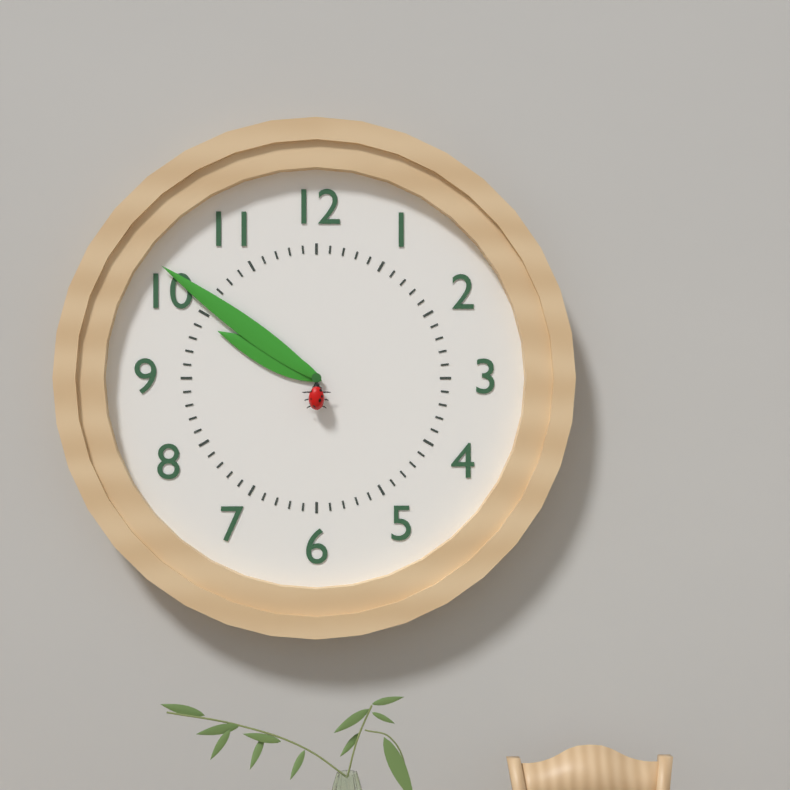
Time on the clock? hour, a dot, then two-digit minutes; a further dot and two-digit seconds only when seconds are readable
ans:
9.51
